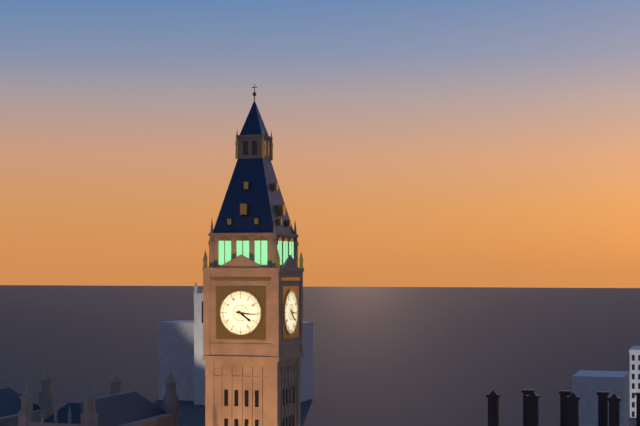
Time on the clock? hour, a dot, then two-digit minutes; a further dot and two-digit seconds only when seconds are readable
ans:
4.16
